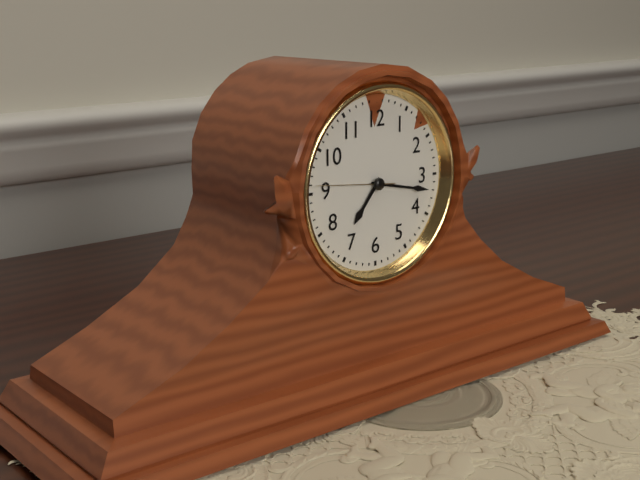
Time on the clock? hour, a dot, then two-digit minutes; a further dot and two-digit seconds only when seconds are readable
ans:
7.17.46
